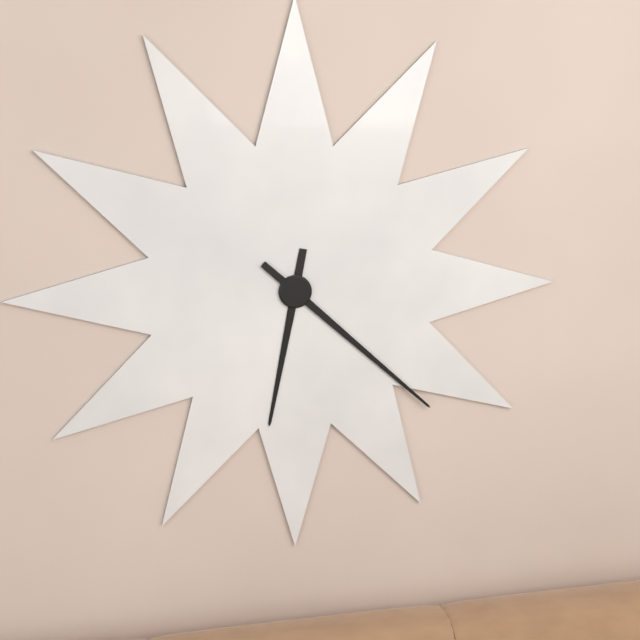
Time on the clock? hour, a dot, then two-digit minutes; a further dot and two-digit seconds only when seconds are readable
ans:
6.22
